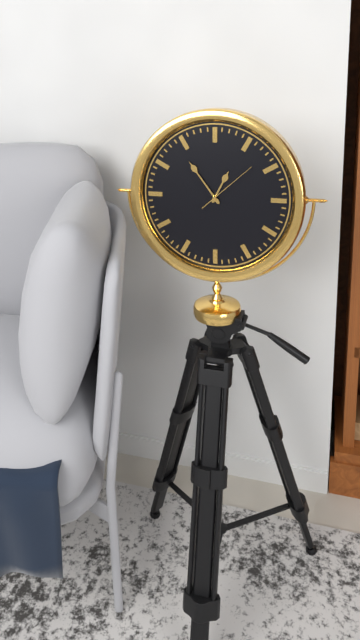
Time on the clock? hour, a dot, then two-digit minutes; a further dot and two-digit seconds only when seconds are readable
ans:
12.54.08
